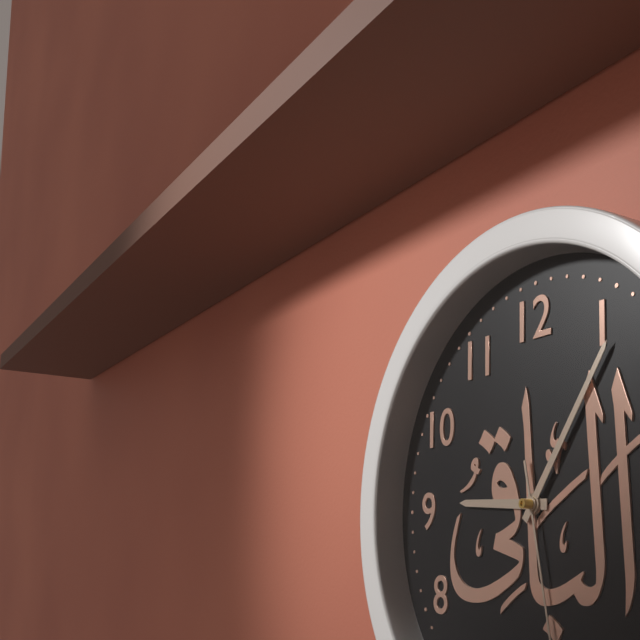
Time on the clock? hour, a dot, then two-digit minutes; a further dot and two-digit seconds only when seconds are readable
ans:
9.06
